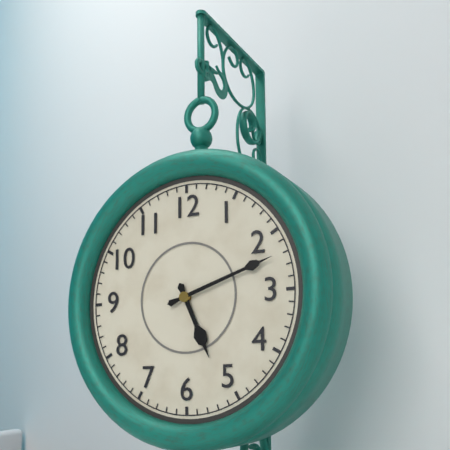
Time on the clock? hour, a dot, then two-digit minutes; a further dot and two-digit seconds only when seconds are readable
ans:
5.12
